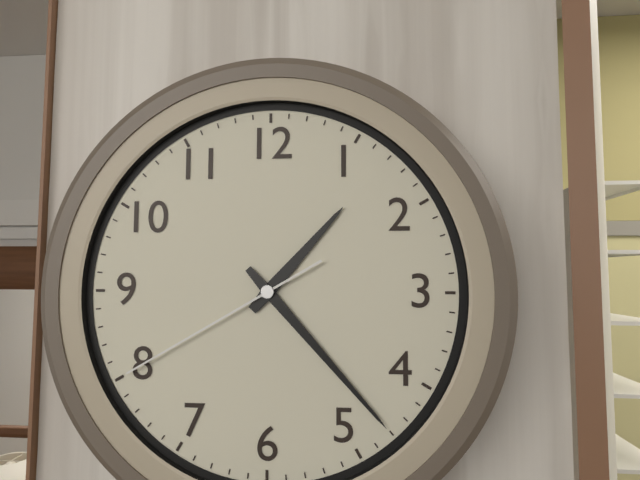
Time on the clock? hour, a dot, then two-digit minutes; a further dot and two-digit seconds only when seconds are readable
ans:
1.23.40
